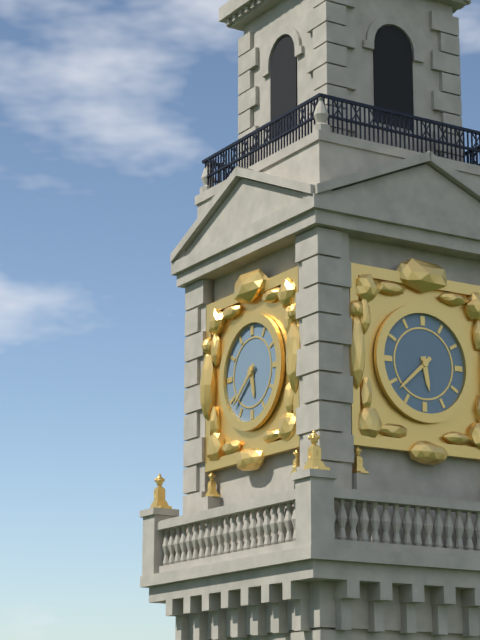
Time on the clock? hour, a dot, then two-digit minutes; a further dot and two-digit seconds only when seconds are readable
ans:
5.38
